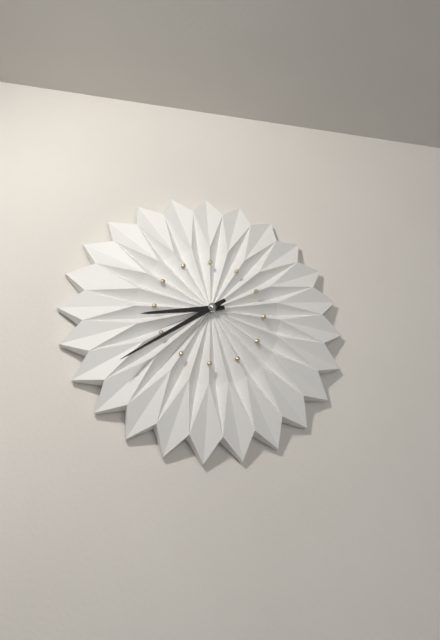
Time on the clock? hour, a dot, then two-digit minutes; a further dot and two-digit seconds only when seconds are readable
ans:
8.39
